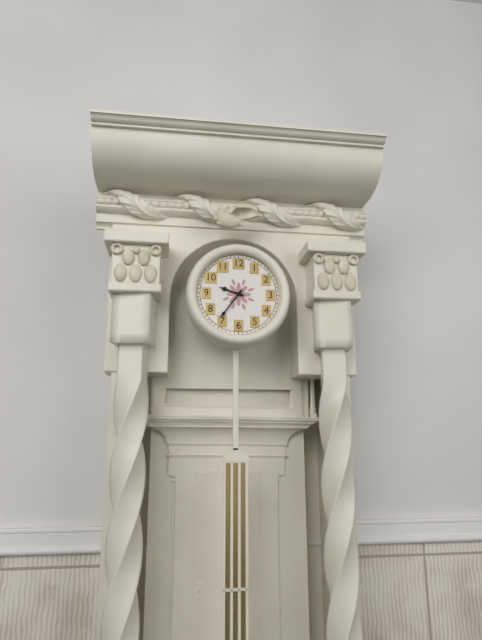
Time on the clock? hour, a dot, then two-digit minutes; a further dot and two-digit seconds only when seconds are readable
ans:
9.36
